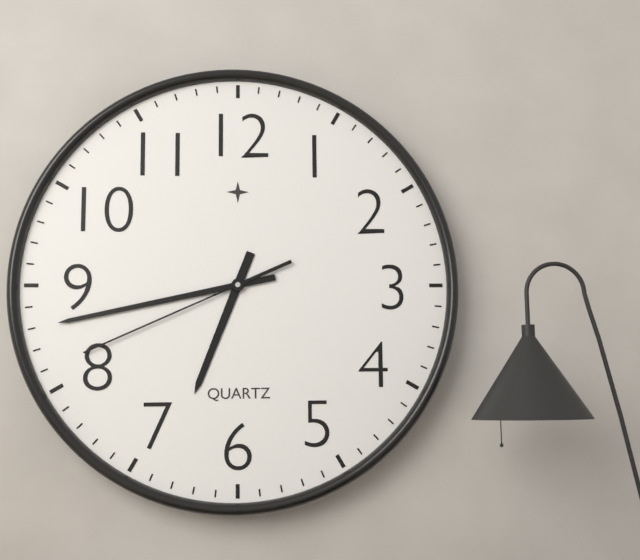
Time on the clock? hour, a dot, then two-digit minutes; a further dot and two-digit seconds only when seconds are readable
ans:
6.43.41
